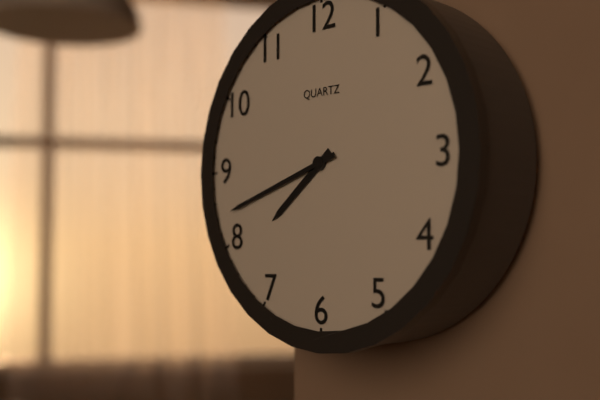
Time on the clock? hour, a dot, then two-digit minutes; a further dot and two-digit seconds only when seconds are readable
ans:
7.42
